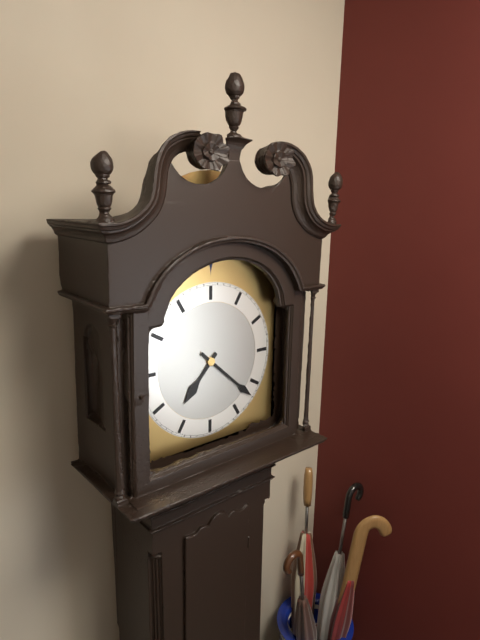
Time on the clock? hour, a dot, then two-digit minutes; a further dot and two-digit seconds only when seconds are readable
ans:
7.22
